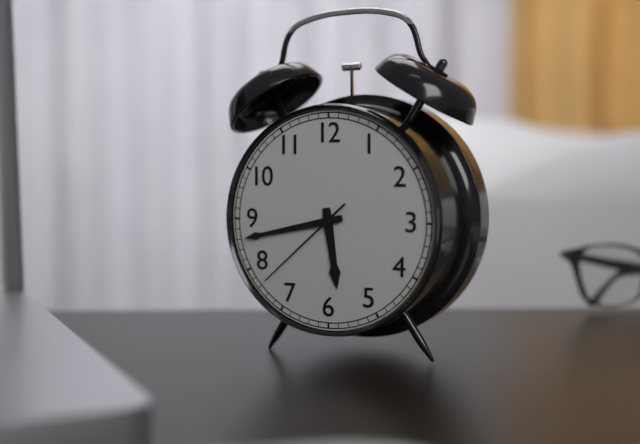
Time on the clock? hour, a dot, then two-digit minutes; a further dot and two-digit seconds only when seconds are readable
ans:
5.43.38
